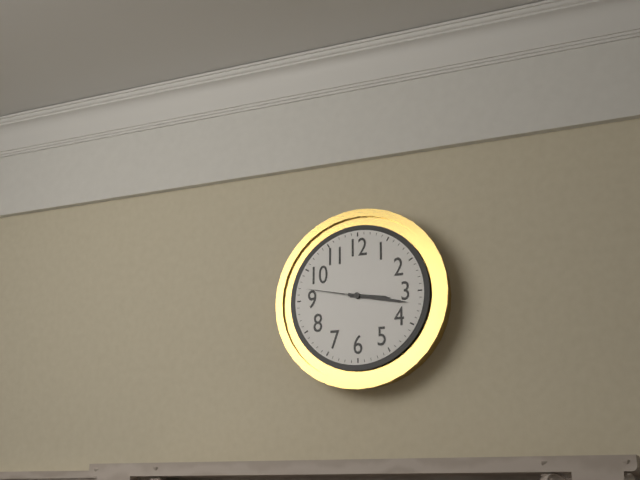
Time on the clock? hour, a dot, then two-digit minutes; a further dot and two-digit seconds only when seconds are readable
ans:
3.17.47
